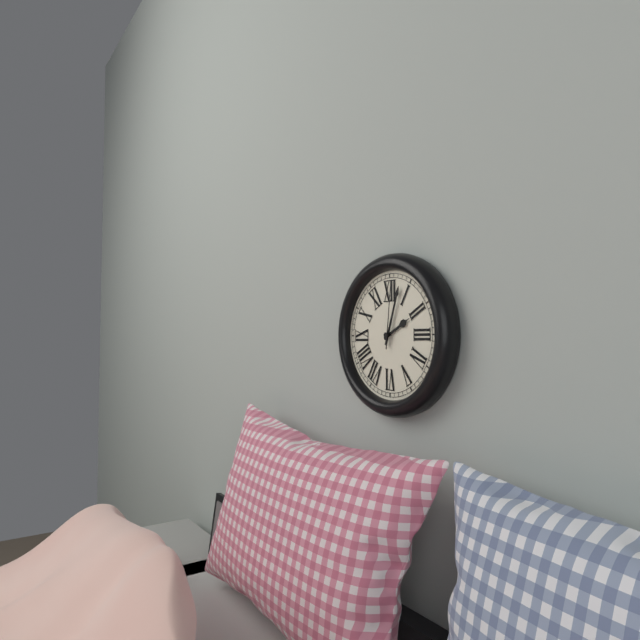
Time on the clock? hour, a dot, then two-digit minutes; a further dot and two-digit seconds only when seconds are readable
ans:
2.03.01
